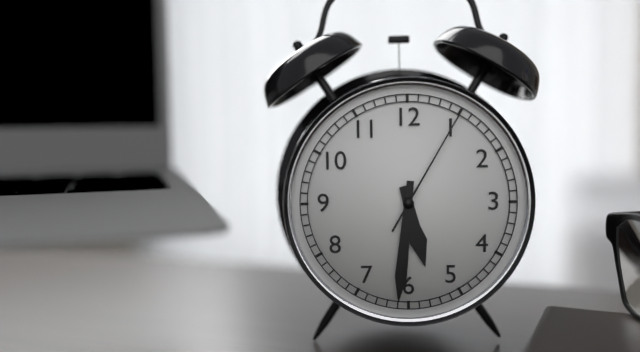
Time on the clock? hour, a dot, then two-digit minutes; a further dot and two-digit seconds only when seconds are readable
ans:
5.31.05
